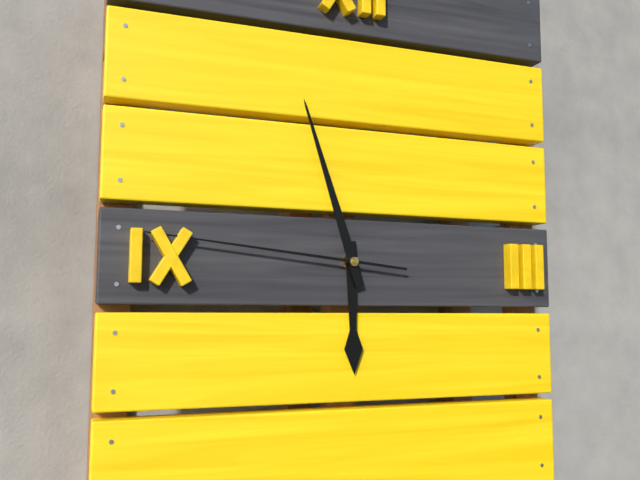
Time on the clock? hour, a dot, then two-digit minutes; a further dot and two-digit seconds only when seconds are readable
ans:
5.57.46
